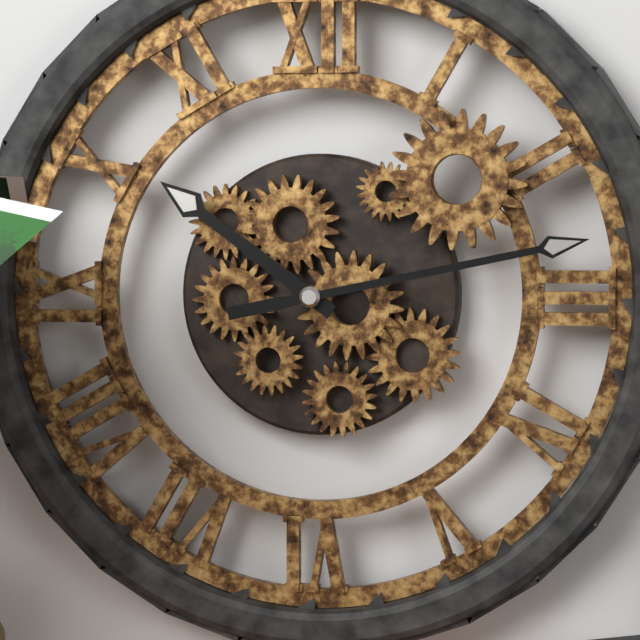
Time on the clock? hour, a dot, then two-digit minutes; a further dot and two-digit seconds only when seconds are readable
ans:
10.13
